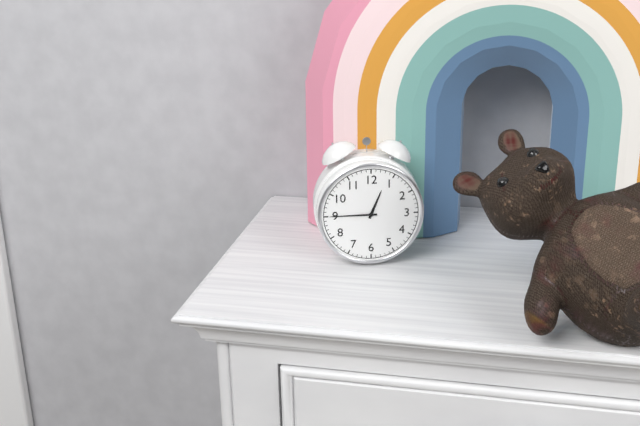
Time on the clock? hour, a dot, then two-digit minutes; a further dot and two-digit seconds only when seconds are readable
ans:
12.45
